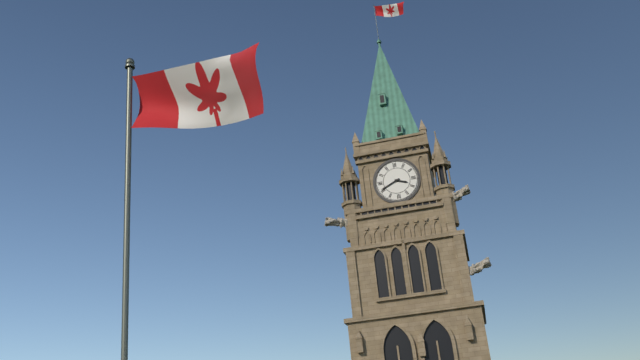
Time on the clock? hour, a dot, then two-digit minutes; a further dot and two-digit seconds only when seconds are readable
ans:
3.41
